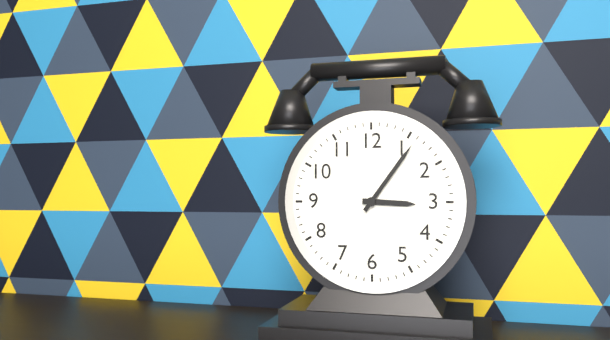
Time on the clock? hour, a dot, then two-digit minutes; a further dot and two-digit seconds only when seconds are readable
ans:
3.06
